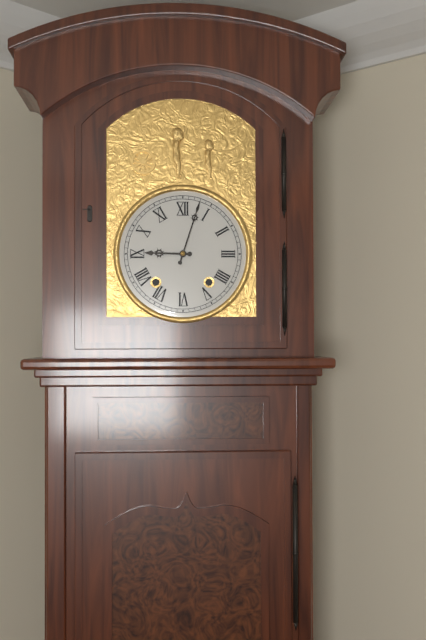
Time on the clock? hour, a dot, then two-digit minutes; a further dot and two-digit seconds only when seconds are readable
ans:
9.03
